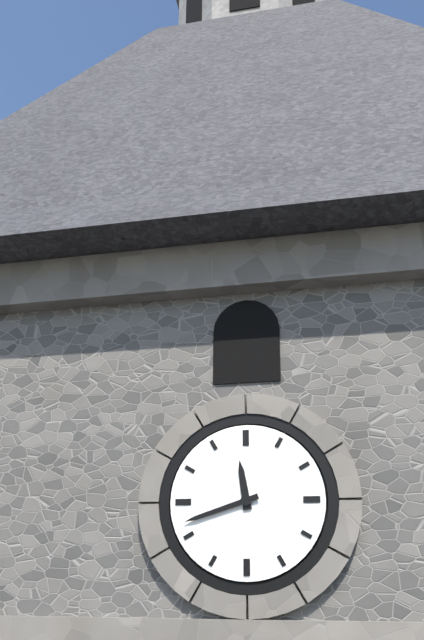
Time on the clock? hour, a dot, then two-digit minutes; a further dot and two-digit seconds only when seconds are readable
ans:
11.42
